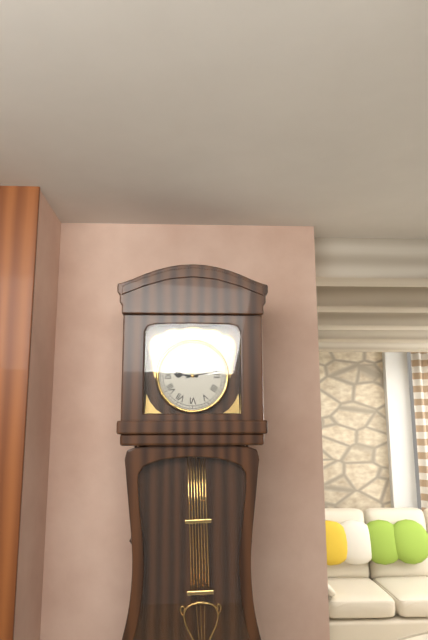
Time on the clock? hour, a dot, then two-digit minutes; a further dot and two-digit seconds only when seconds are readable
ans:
9.13
